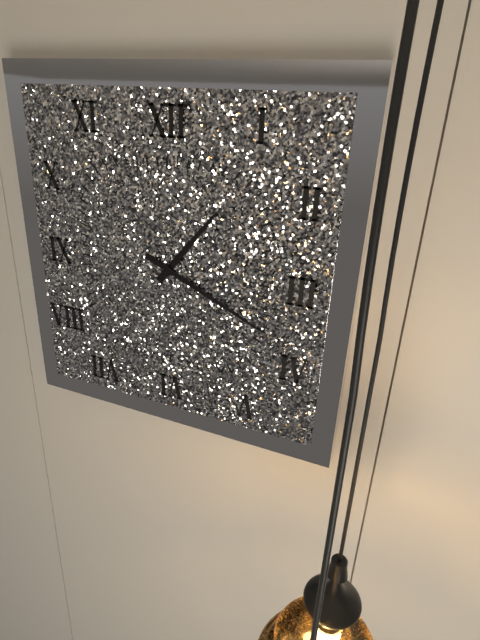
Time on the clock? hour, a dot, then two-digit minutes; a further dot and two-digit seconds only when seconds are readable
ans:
1.19
